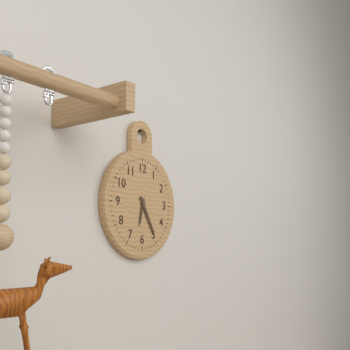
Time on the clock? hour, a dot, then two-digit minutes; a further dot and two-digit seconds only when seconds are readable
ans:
6.25
